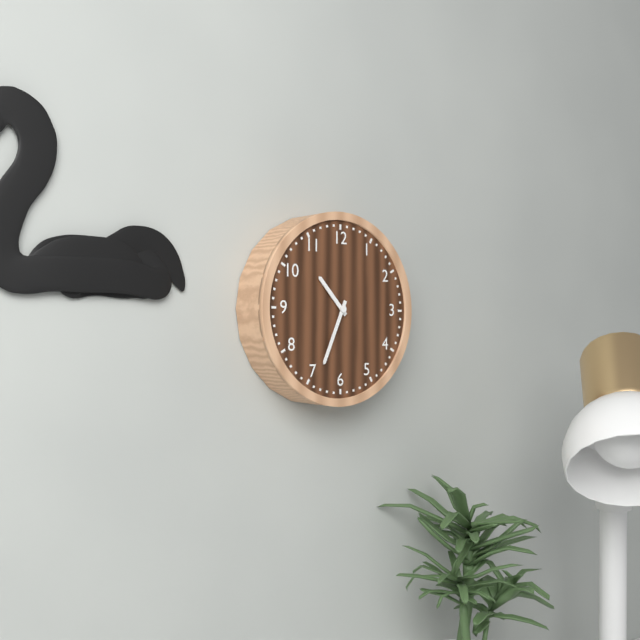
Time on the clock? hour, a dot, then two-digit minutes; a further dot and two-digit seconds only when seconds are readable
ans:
10.34
